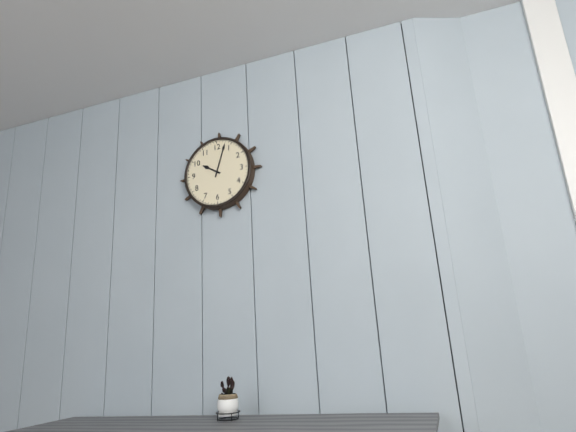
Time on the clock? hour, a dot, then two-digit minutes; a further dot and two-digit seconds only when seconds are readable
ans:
10.03
